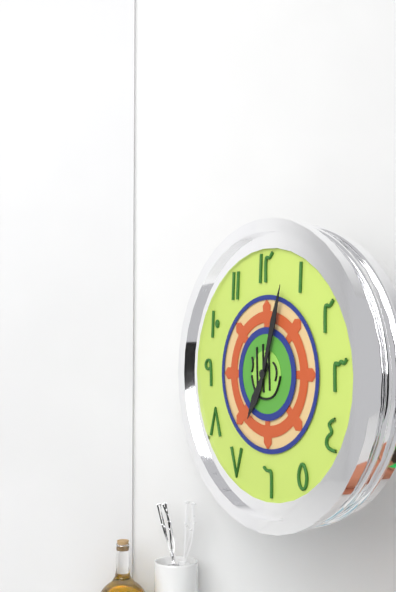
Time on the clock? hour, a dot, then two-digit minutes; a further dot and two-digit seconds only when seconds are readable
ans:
7.03
